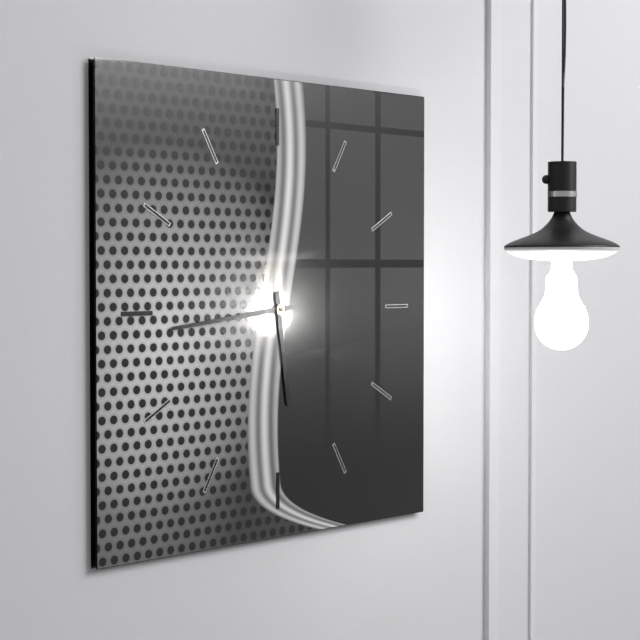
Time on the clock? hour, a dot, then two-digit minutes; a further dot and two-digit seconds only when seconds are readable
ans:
5.44
